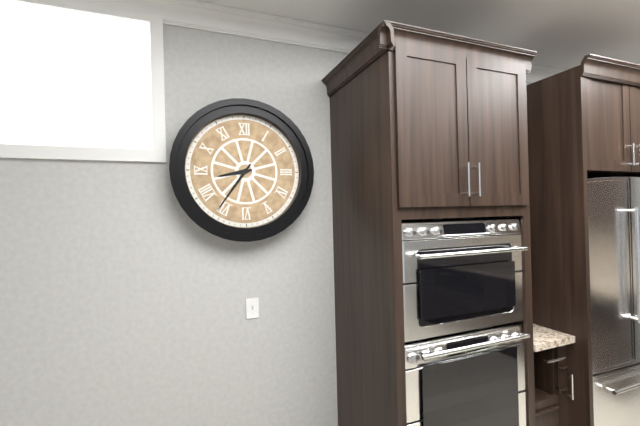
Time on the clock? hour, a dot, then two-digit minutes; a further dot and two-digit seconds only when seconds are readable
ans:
8.36
